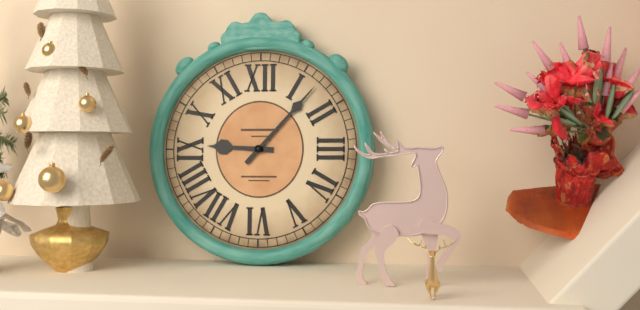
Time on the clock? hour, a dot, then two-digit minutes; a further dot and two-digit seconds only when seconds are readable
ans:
9.07
